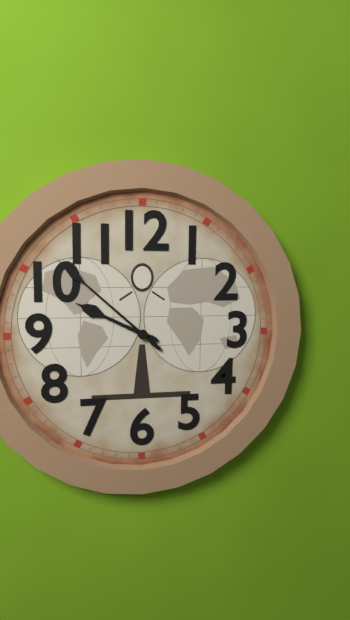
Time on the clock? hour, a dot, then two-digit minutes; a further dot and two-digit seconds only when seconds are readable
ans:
9.52
